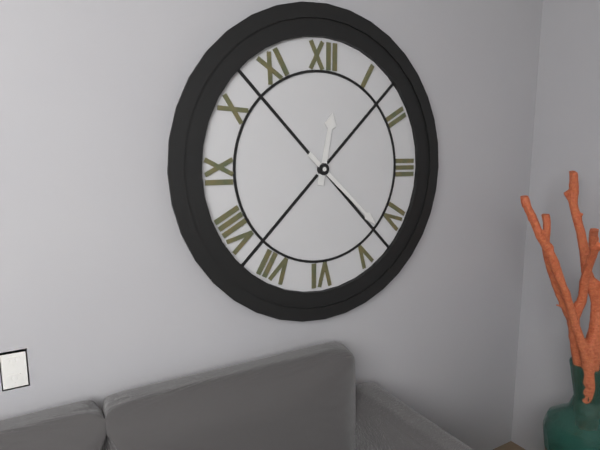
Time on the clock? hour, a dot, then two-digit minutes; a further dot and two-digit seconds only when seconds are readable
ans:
12.22
